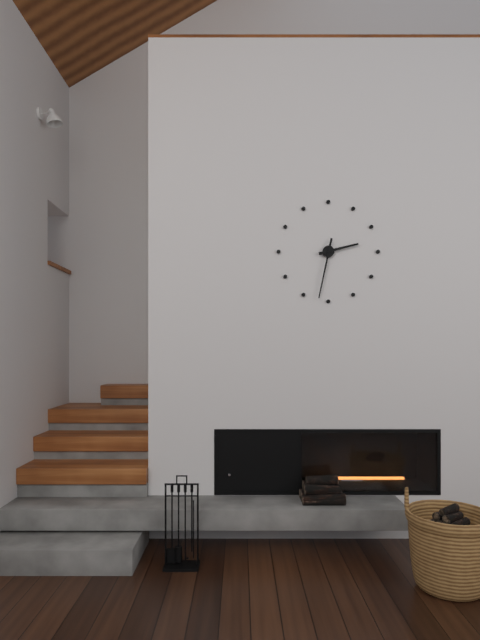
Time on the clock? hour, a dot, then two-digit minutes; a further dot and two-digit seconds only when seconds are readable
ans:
2.32
